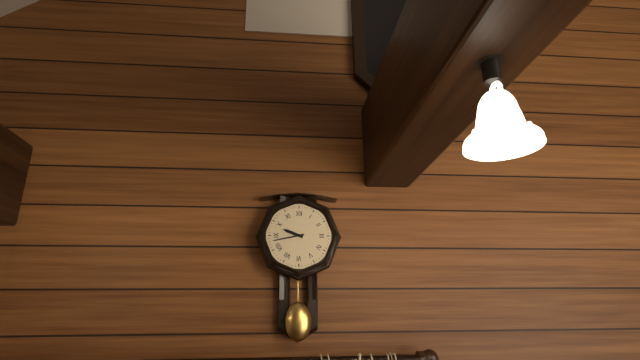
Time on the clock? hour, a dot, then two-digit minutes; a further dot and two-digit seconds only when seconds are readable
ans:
9.43
